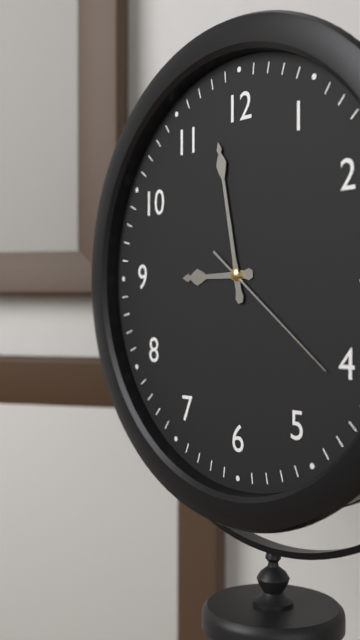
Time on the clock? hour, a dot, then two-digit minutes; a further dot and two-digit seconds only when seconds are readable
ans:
8.58.21
